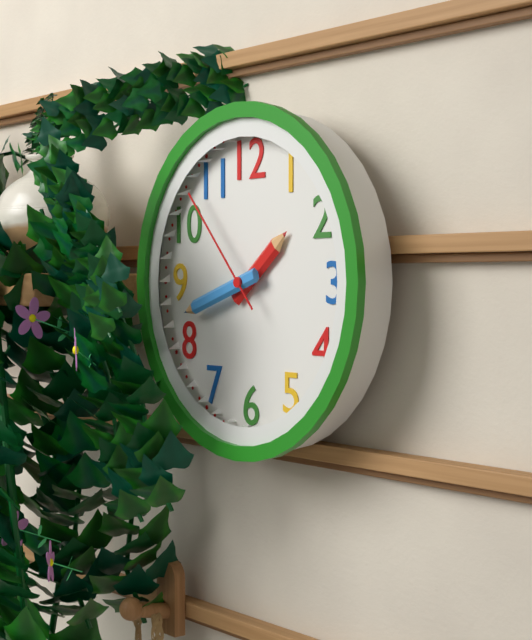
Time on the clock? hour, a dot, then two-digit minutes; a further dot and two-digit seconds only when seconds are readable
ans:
1.42.53
